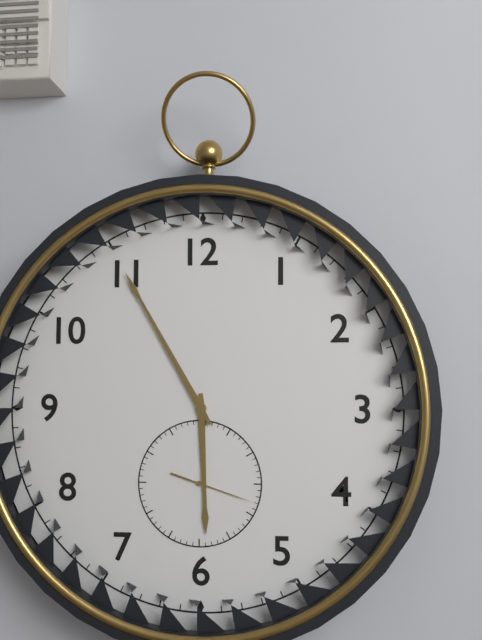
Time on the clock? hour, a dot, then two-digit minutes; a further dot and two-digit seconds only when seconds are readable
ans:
5.55.18
